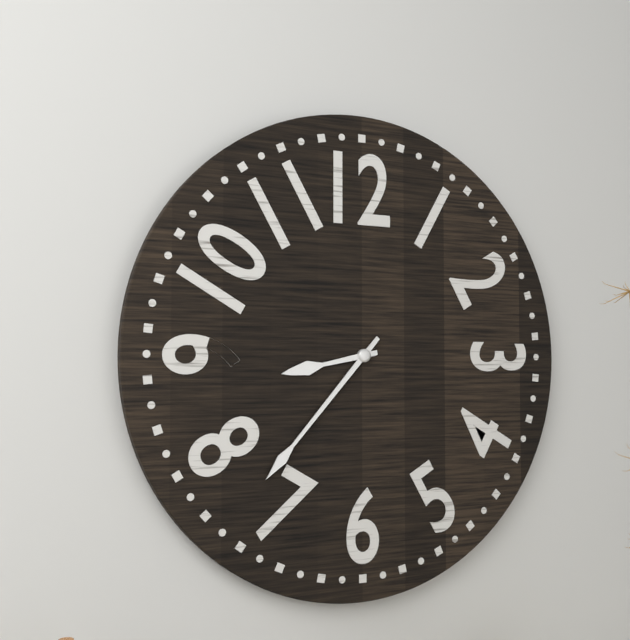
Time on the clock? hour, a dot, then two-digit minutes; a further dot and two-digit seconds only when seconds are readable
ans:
8.37
